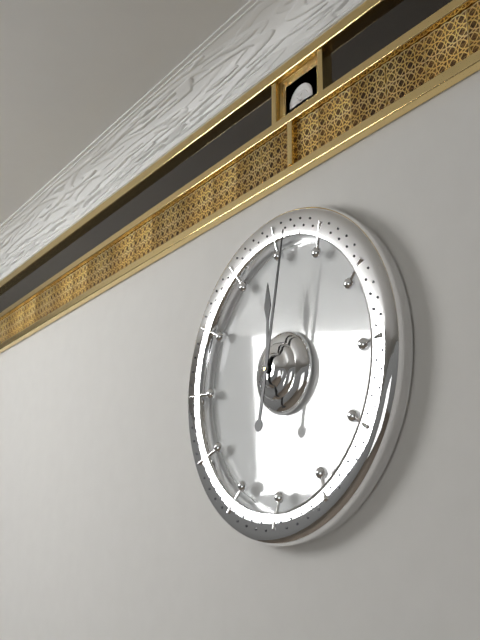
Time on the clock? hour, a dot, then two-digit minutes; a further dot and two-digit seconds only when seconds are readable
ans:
12.02
